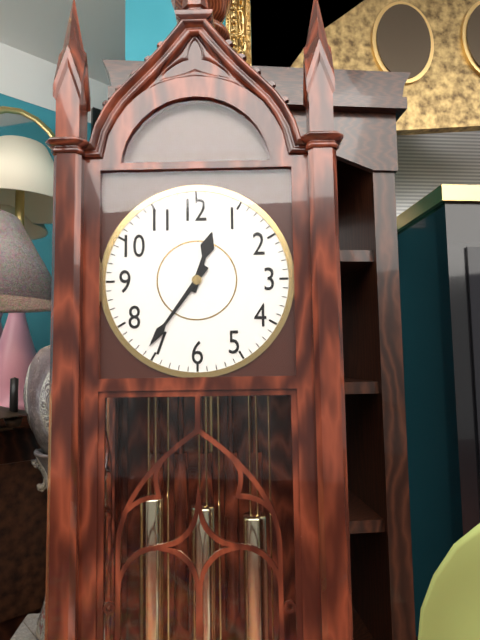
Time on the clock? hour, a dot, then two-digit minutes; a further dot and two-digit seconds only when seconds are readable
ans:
12.36
